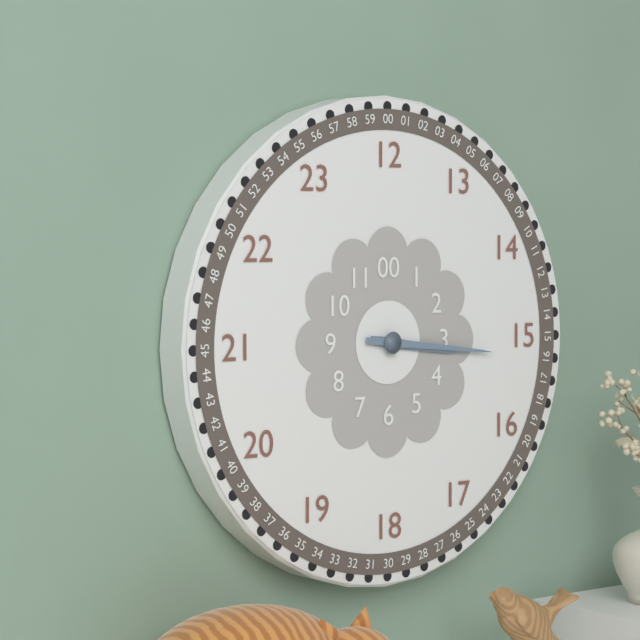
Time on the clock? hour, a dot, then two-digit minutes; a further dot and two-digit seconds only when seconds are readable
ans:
3.16
